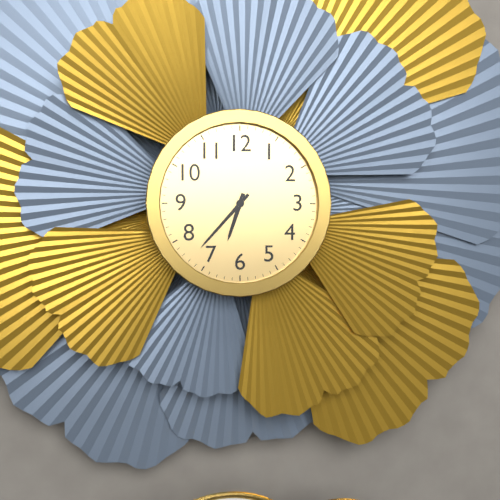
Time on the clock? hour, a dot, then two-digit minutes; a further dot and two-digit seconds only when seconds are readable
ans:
6.37
